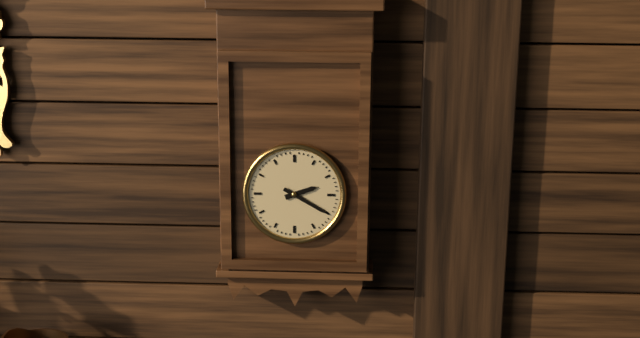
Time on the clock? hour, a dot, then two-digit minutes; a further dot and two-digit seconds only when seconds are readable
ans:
2.20
